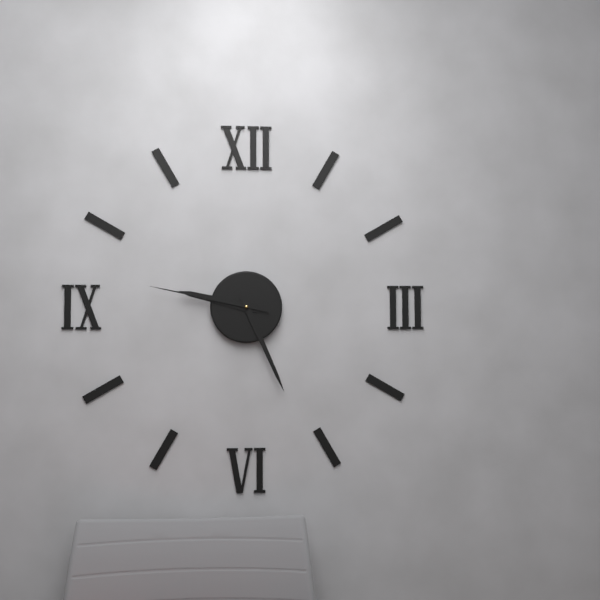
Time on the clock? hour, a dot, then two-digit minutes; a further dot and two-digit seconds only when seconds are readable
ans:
9.26.47
